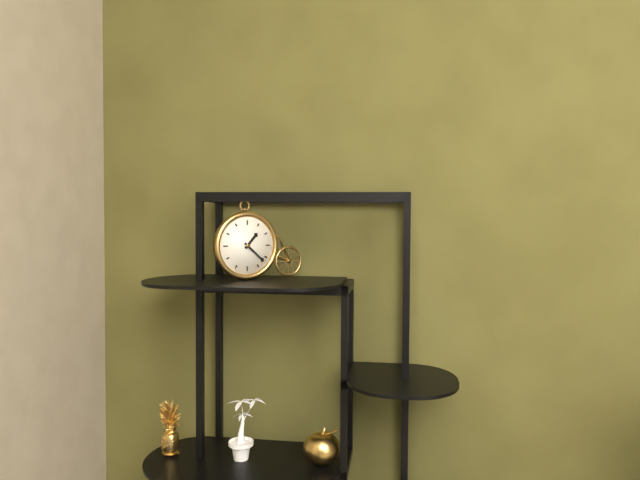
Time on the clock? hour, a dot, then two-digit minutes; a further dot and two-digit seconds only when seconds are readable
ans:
1.22
